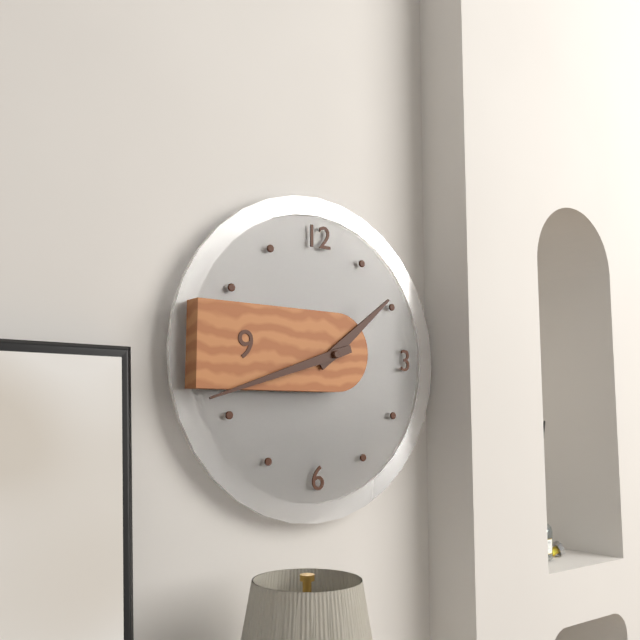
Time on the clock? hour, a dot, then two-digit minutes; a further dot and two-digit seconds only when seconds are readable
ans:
1.42
